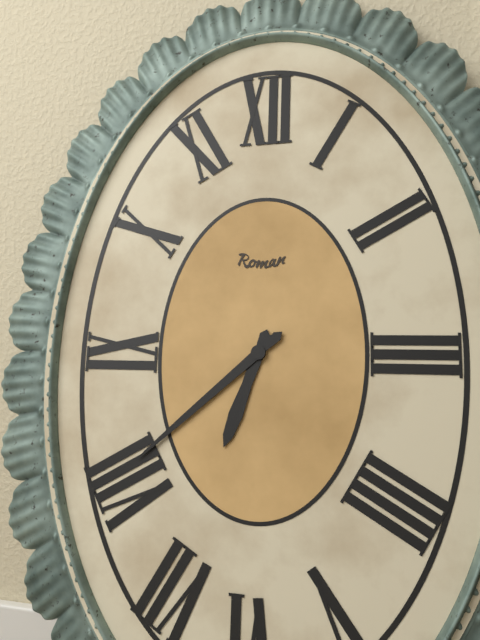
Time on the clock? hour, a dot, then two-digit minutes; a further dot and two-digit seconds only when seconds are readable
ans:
6.38
